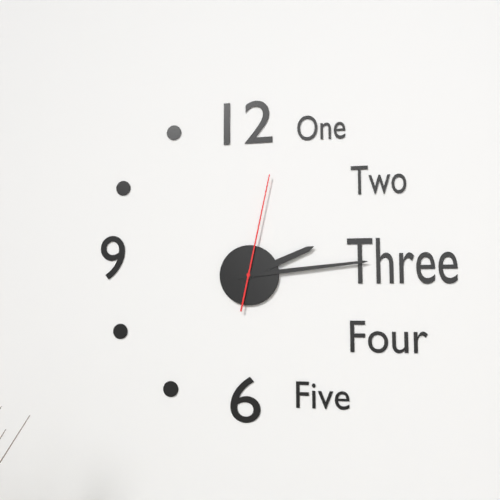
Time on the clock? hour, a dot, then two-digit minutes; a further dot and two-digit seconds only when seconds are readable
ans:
2.14.02
